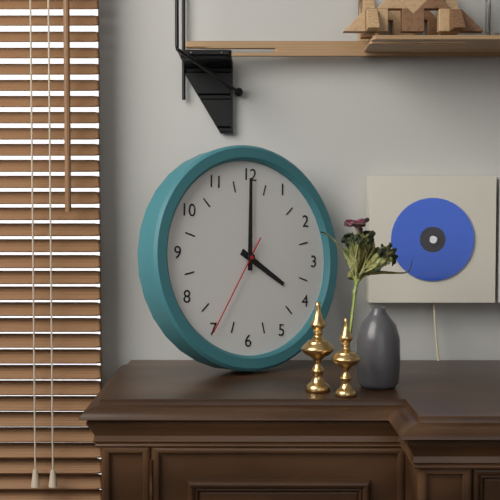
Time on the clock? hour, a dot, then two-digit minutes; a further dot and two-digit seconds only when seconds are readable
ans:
4.00.35
